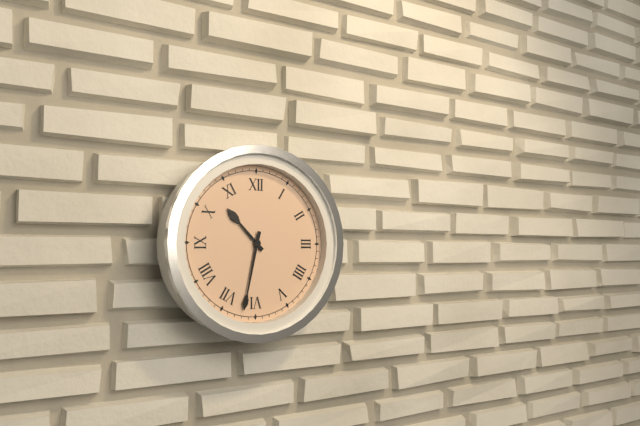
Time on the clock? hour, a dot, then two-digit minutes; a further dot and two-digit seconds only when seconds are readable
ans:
10.32
